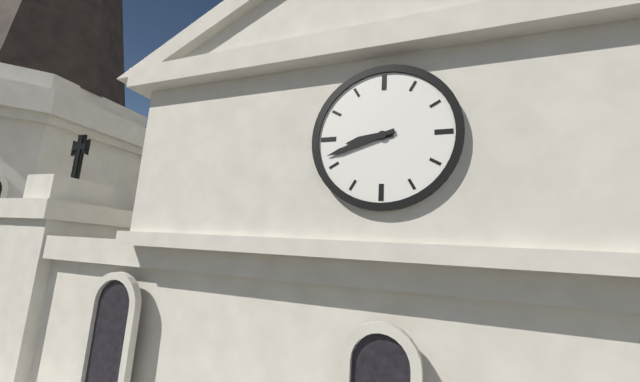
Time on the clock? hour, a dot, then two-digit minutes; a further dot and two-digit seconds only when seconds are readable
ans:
8.42
